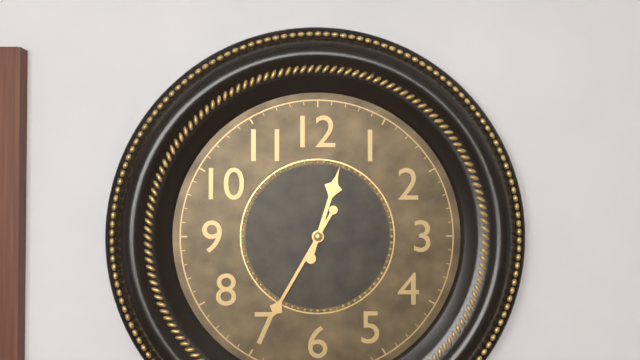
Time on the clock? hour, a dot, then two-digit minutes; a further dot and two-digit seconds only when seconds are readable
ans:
12.35
